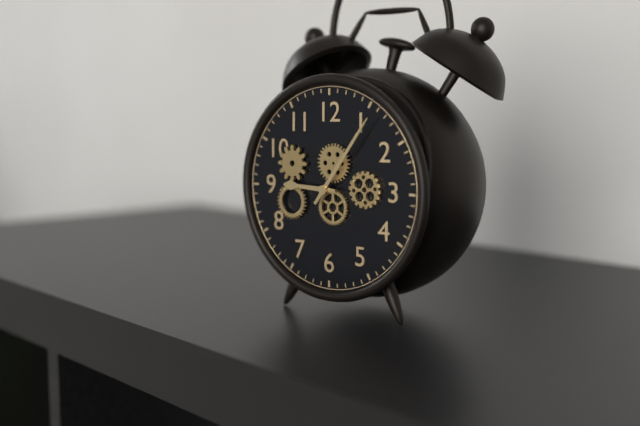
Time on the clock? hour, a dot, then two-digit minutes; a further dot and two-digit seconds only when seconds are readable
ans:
9.06
